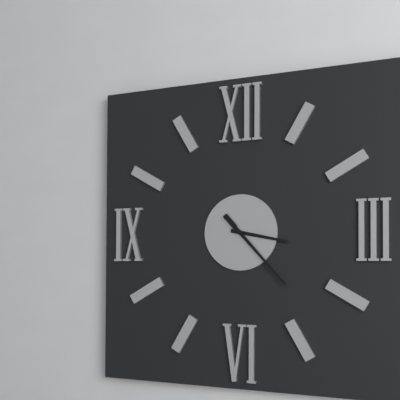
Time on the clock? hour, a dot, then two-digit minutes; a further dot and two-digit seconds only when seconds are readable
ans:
3.23
